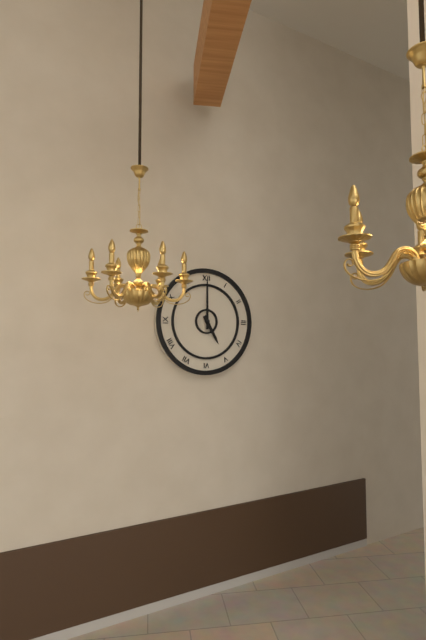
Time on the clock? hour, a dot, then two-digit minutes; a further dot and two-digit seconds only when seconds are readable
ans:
5.00
